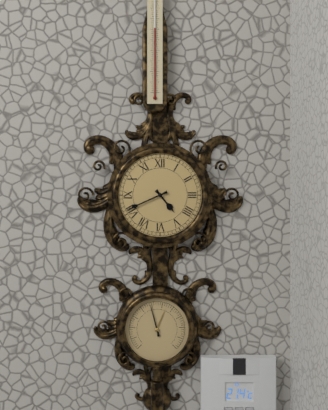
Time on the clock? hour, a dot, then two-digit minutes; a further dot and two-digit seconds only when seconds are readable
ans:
4.41
